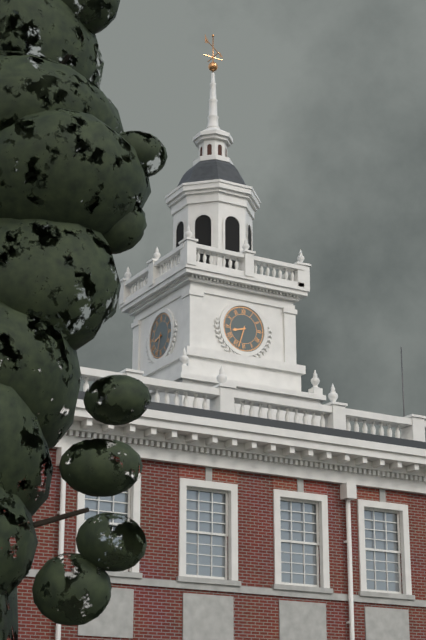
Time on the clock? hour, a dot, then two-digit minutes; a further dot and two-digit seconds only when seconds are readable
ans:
8.33
